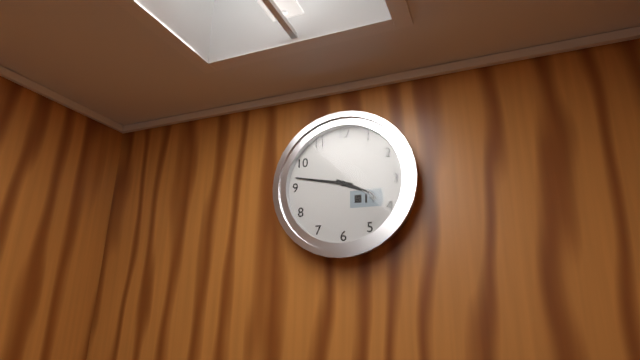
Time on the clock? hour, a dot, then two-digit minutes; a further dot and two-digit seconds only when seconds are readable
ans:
3.47
